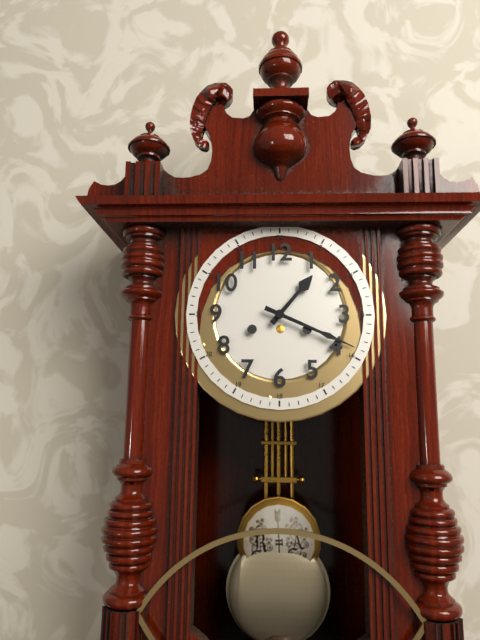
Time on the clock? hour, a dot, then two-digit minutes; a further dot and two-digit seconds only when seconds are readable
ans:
1.19
